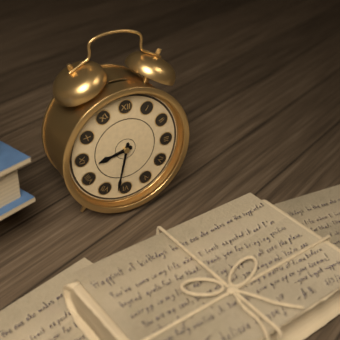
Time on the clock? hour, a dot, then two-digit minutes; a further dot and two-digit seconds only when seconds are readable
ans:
8.32
